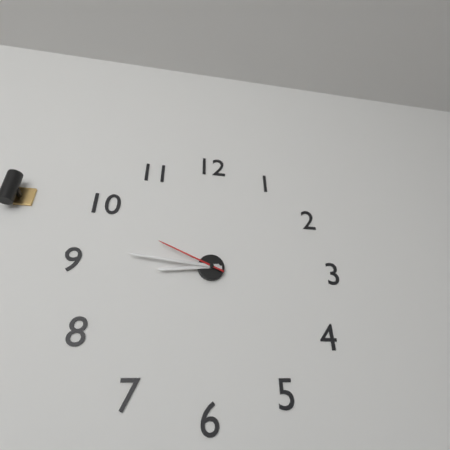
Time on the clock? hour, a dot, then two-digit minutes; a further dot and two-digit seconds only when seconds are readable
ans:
8.46.49
